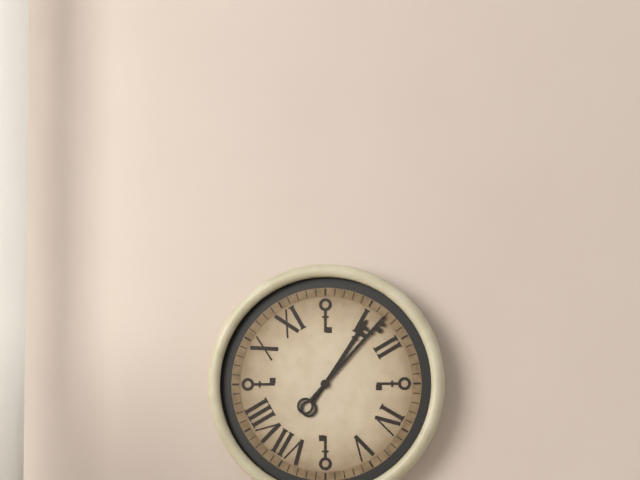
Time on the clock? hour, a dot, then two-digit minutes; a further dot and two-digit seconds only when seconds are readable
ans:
1.07
